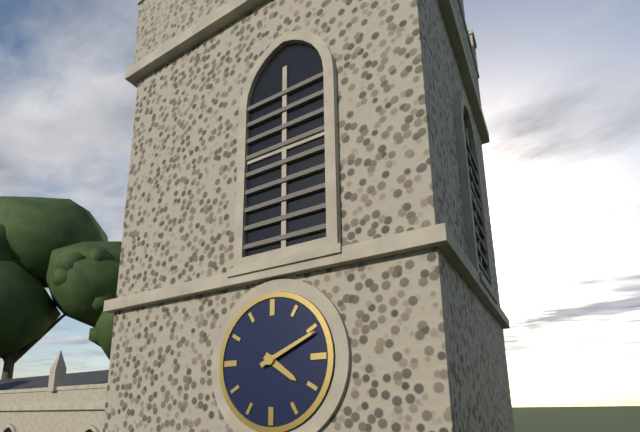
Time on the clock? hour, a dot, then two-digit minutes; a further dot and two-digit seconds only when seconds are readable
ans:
4.11
